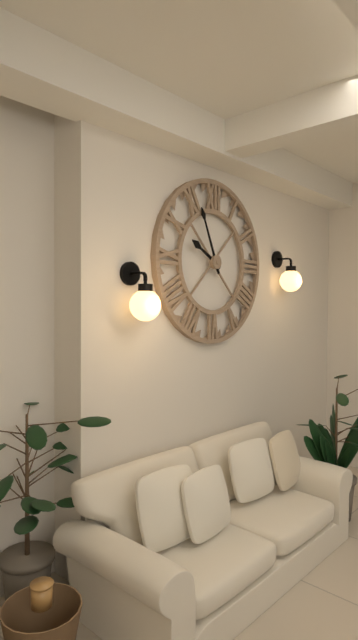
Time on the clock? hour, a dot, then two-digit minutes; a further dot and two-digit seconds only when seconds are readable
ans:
9.56
